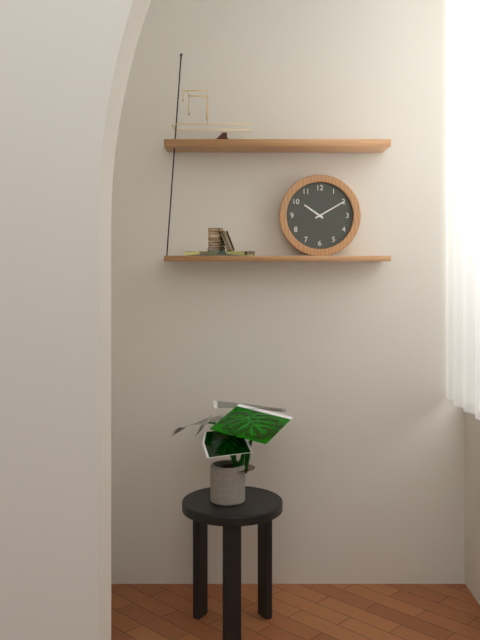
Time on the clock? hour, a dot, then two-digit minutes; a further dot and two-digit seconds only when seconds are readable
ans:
10.10
